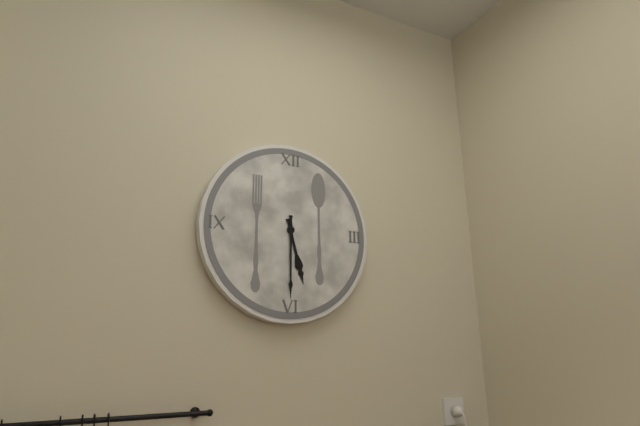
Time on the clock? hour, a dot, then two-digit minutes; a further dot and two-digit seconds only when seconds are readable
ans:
5.30
